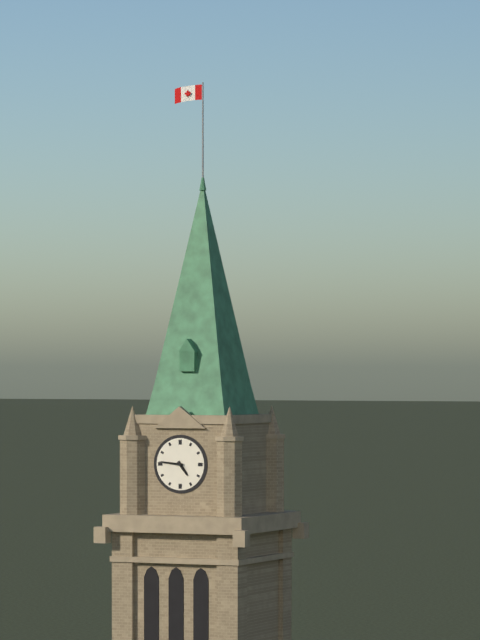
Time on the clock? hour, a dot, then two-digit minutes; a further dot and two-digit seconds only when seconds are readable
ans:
4.46
